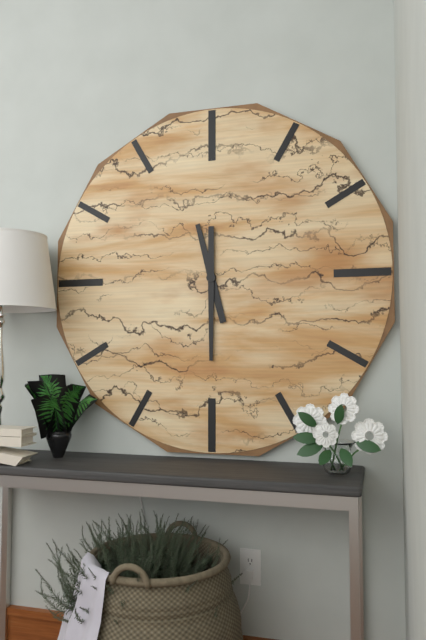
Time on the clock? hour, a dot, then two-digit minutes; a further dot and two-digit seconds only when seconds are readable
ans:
11.30
